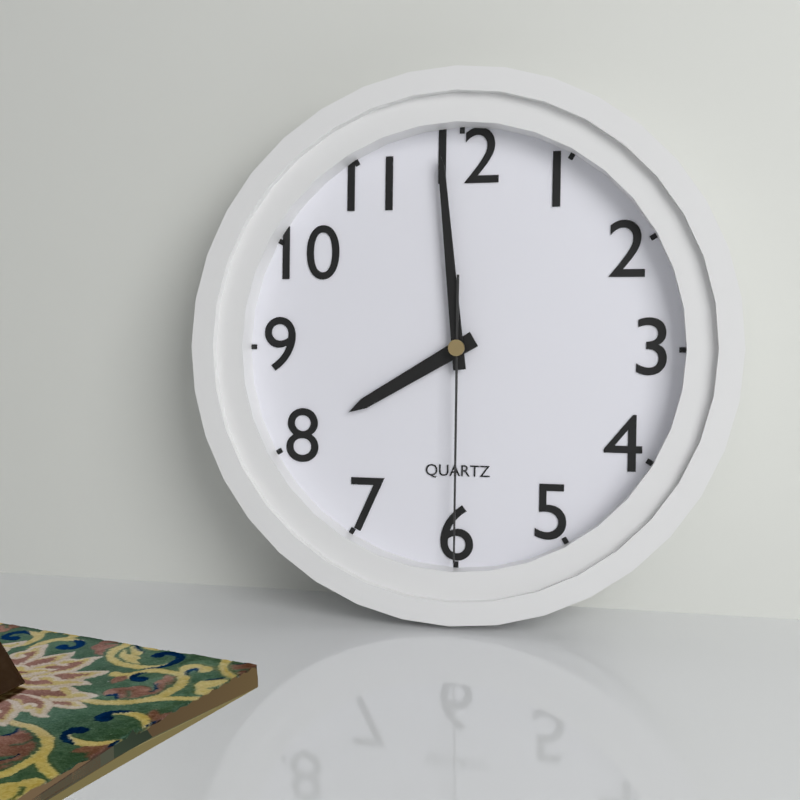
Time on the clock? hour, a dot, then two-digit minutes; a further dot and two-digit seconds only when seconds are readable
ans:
7.59.30
